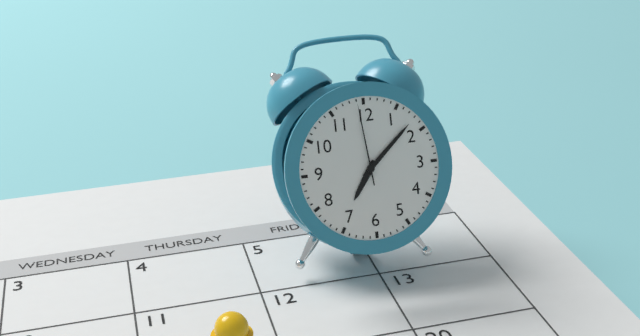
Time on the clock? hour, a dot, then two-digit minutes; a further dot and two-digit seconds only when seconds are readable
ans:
7.08.59
